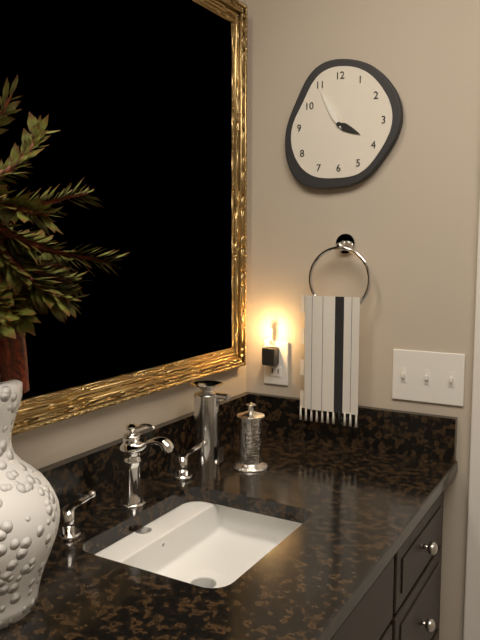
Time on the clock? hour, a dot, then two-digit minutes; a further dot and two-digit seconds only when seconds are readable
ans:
3.55
